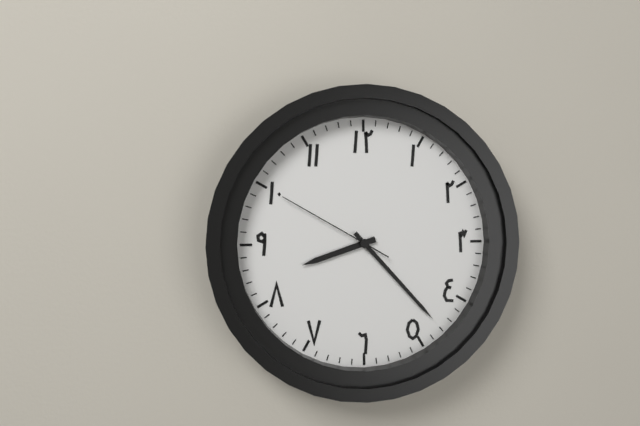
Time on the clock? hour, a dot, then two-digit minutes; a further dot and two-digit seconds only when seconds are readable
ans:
8.23.50
